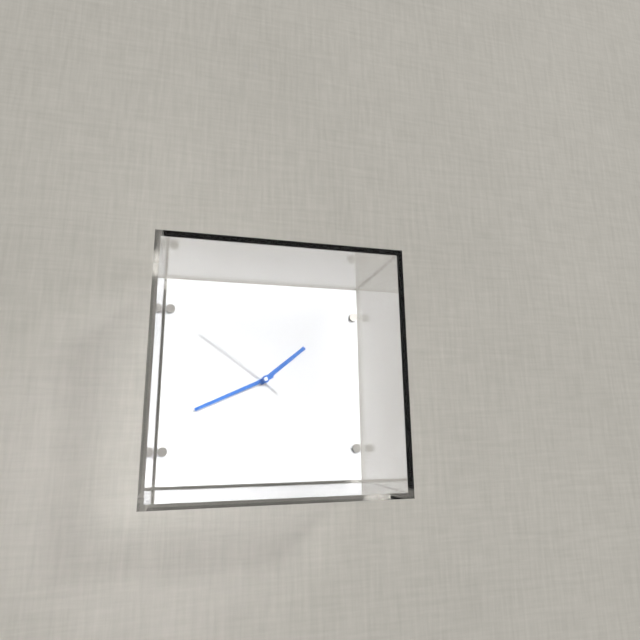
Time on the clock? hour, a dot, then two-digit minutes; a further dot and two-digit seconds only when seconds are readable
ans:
1.41.51
